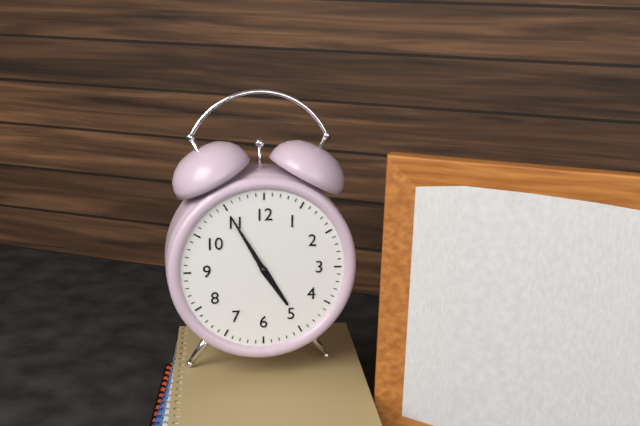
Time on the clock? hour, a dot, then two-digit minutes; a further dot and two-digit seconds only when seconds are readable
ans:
4.55
